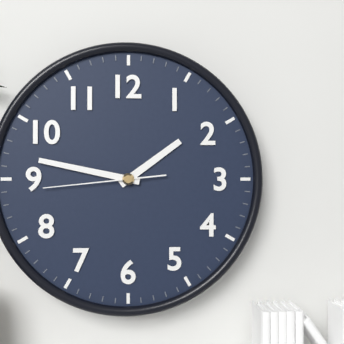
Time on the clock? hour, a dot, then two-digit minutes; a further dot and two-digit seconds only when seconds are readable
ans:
1.47.44
